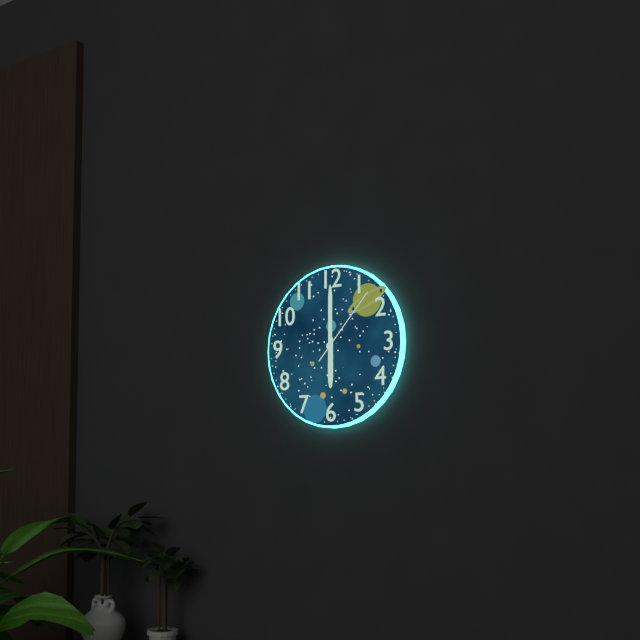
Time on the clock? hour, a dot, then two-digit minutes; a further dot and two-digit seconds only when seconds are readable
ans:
6.00.07
